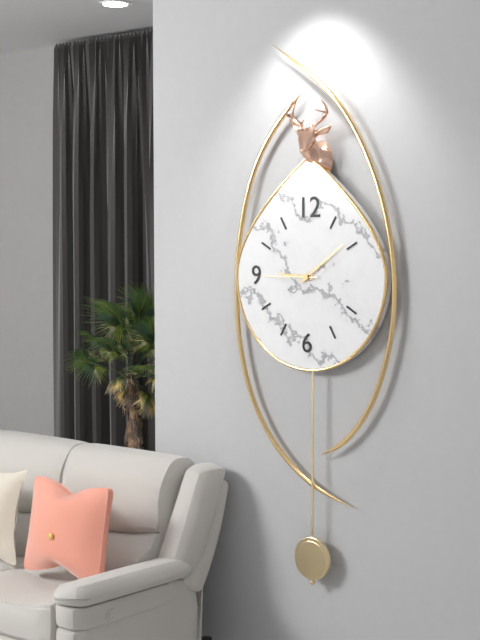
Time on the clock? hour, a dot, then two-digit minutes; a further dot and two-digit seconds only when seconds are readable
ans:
9.09.45
